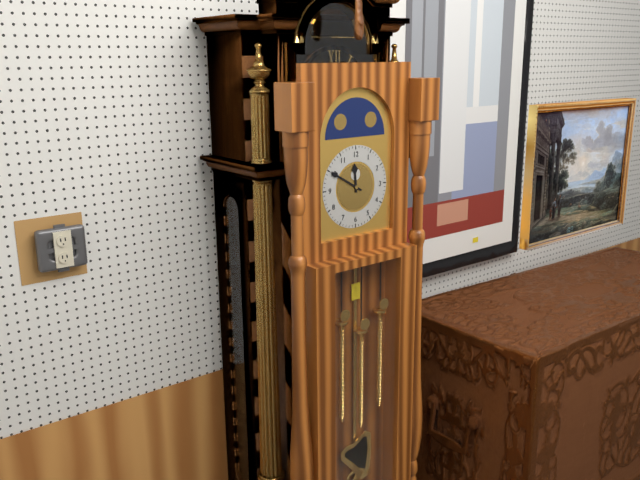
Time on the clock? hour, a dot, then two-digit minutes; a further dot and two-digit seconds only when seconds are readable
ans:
11.50
